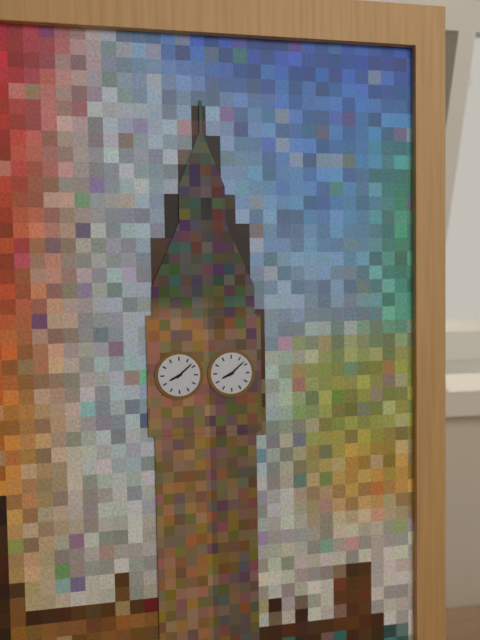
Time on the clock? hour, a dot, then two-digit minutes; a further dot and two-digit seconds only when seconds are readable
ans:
8.08
